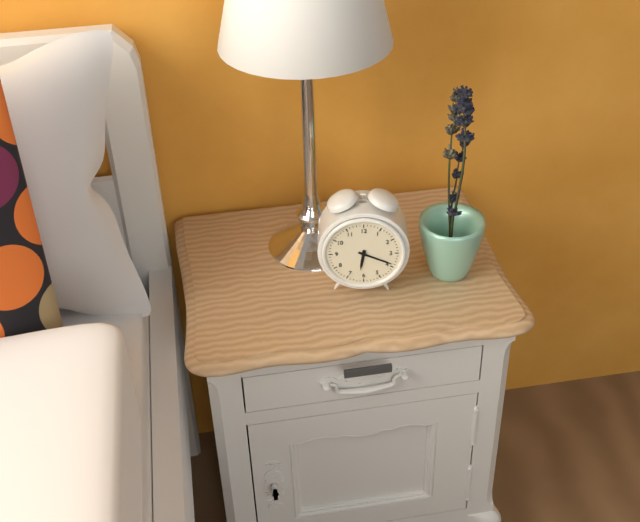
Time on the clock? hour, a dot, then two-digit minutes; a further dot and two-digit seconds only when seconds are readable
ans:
6.19
